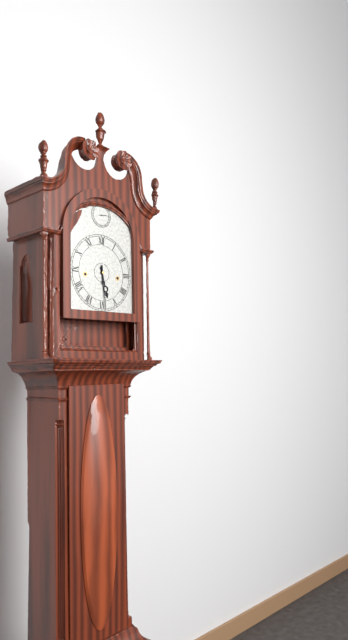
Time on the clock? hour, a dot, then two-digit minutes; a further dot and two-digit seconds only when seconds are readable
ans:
5.29
